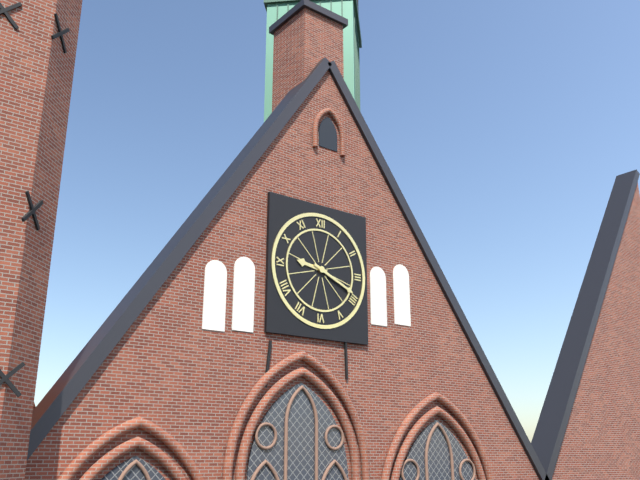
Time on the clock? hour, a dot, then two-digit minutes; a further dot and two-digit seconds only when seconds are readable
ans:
9.19
